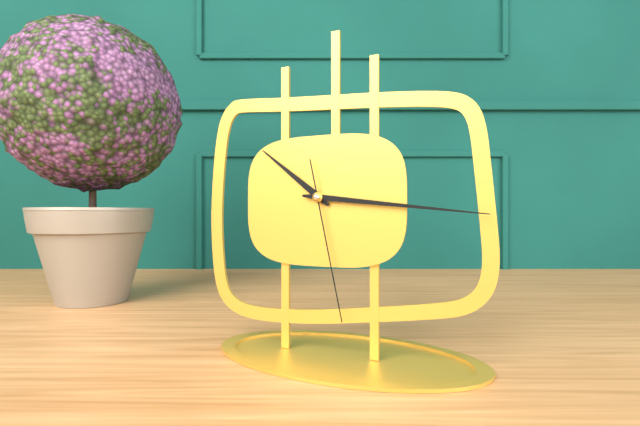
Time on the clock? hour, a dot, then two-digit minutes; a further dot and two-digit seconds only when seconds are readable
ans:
10.16.28
